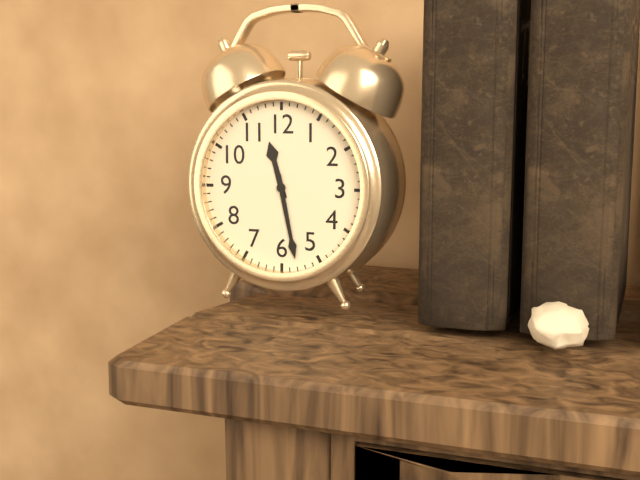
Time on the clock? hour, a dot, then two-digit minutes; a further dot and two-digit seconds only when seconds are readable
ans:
11.28
